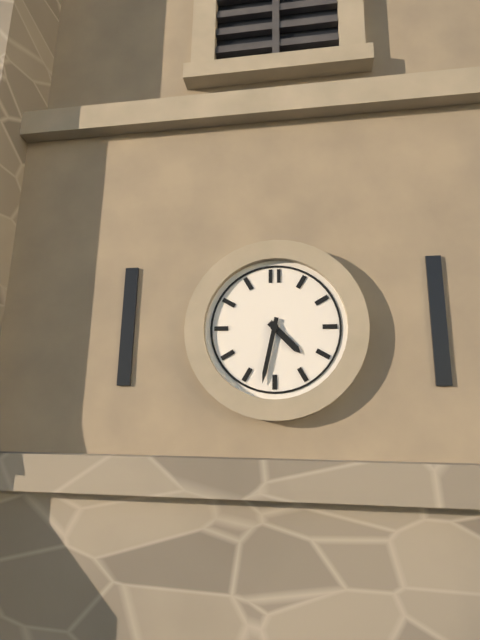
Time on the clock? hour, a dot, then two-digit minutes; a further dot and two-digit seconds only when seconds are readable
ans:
4.32
